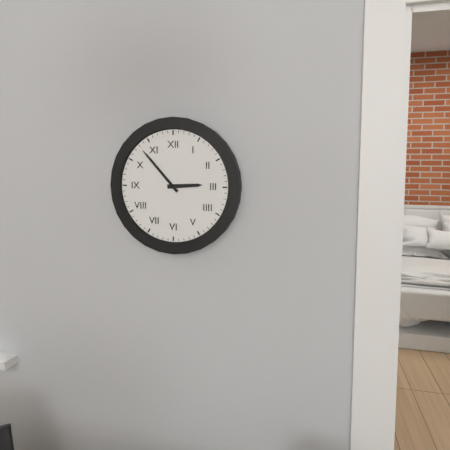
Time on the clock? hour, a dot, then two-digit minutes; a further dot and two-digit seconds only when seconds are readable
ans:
2.53
